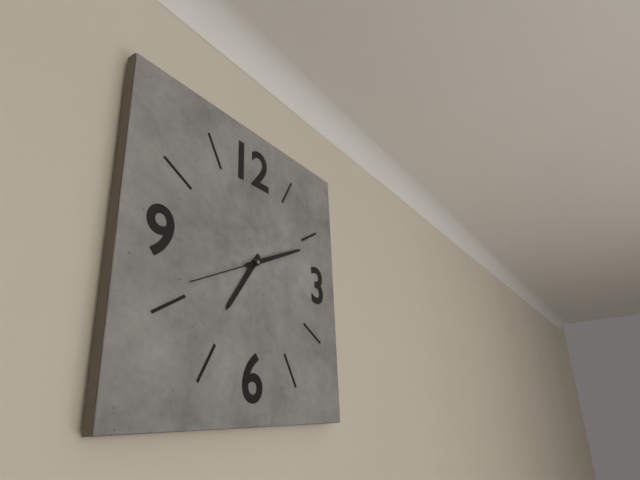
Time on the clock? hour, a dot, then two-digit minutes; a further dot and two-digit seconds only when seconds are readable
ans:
7.11.41
